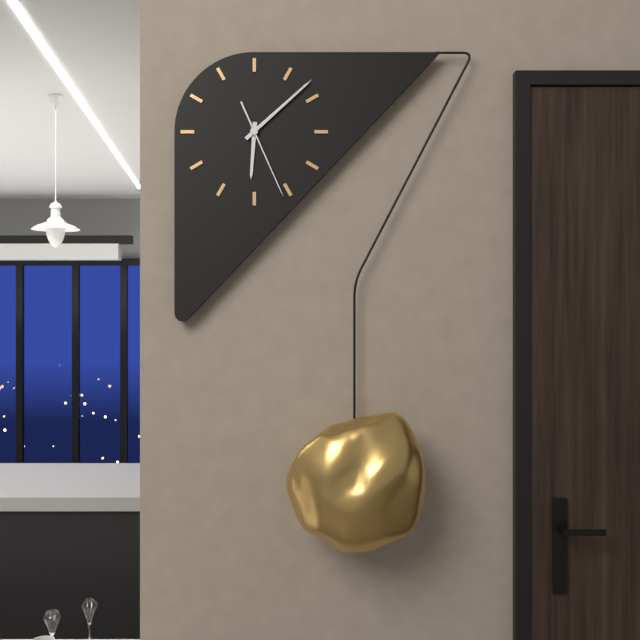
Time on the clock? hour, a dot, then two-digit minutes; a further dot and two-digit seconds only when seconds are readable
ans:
6.08.26
